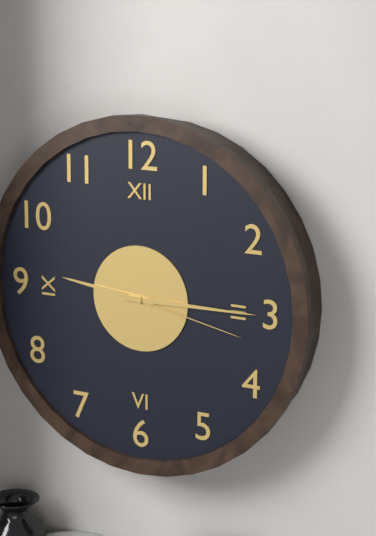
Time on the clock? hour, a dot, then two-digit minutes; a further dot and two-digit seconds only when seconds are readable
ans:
9.15.17
